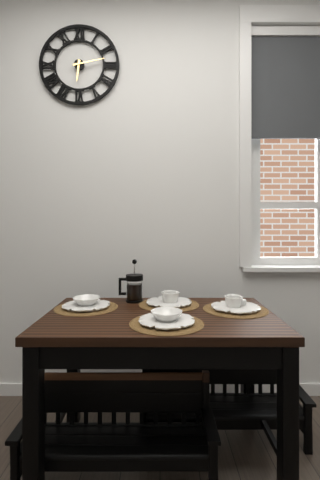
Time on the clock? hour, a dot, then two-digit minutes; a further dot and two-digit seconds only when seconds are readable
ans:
6.13
